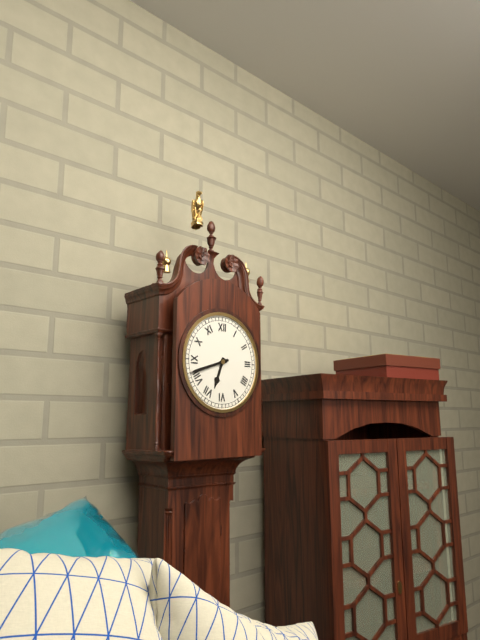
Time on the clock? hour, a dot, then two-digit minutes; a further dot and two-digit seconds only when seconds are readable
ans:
6.42
